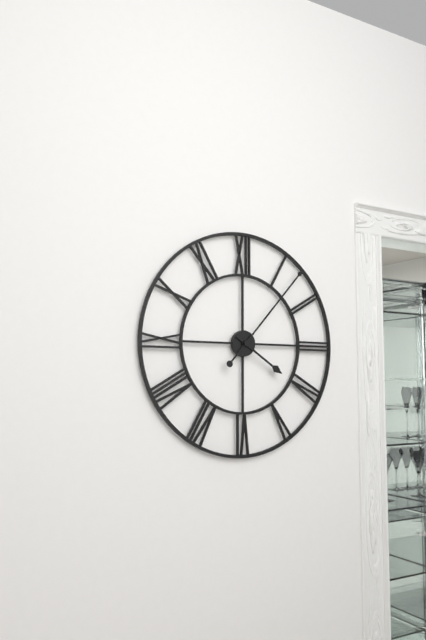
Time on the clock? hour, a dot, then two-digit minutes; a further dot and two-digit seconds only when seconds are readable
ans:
4.07
